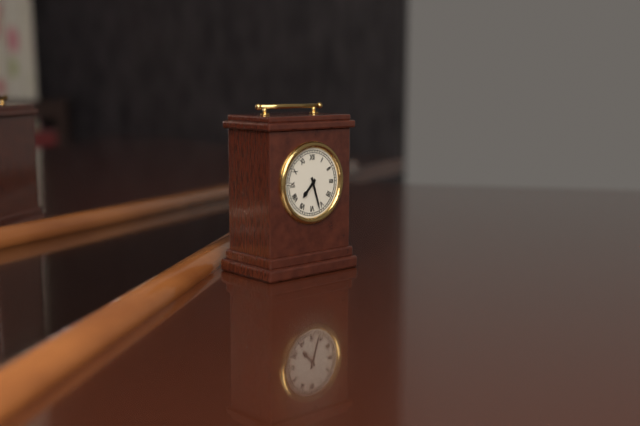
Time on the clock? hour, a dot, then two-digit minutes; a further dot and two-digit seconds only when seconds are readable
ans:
7.27
